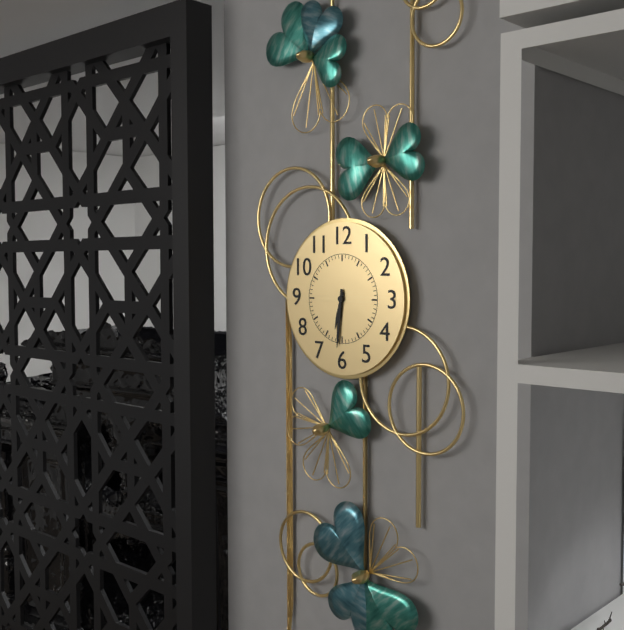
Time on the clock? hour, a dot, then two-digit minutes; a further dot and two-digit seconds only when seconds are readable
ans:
6.31
